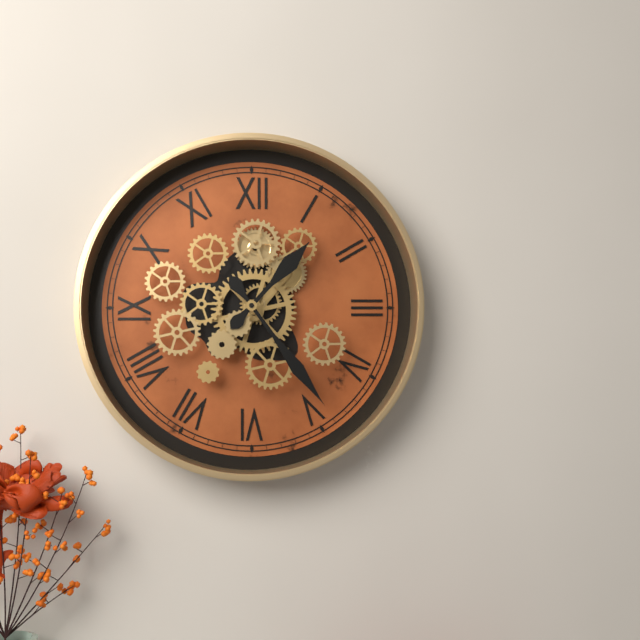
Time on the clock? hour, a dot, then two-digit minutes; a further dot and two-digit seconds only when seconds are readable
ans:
1.24
